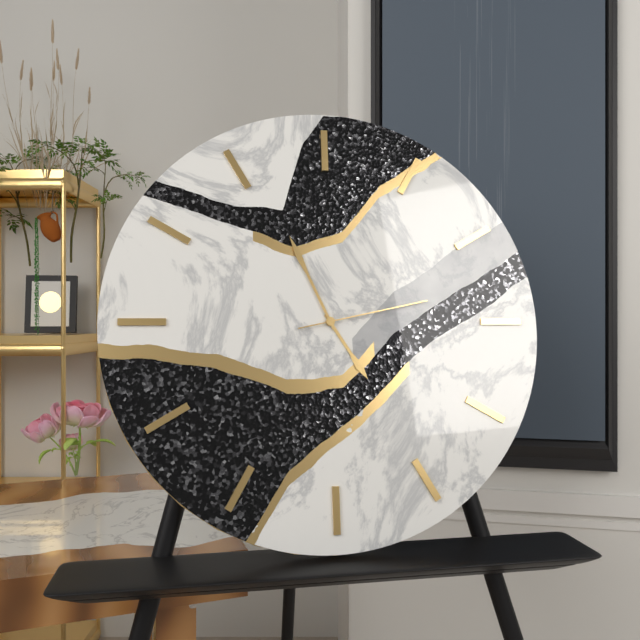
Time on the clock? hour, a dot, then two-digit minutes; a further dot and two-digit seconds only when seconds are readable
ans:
4.56.13
